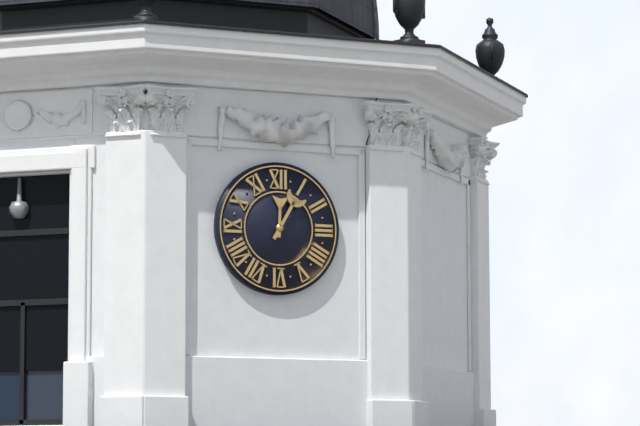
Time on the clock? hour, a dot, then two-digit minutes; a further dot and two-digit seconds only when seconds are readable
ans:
12.05
